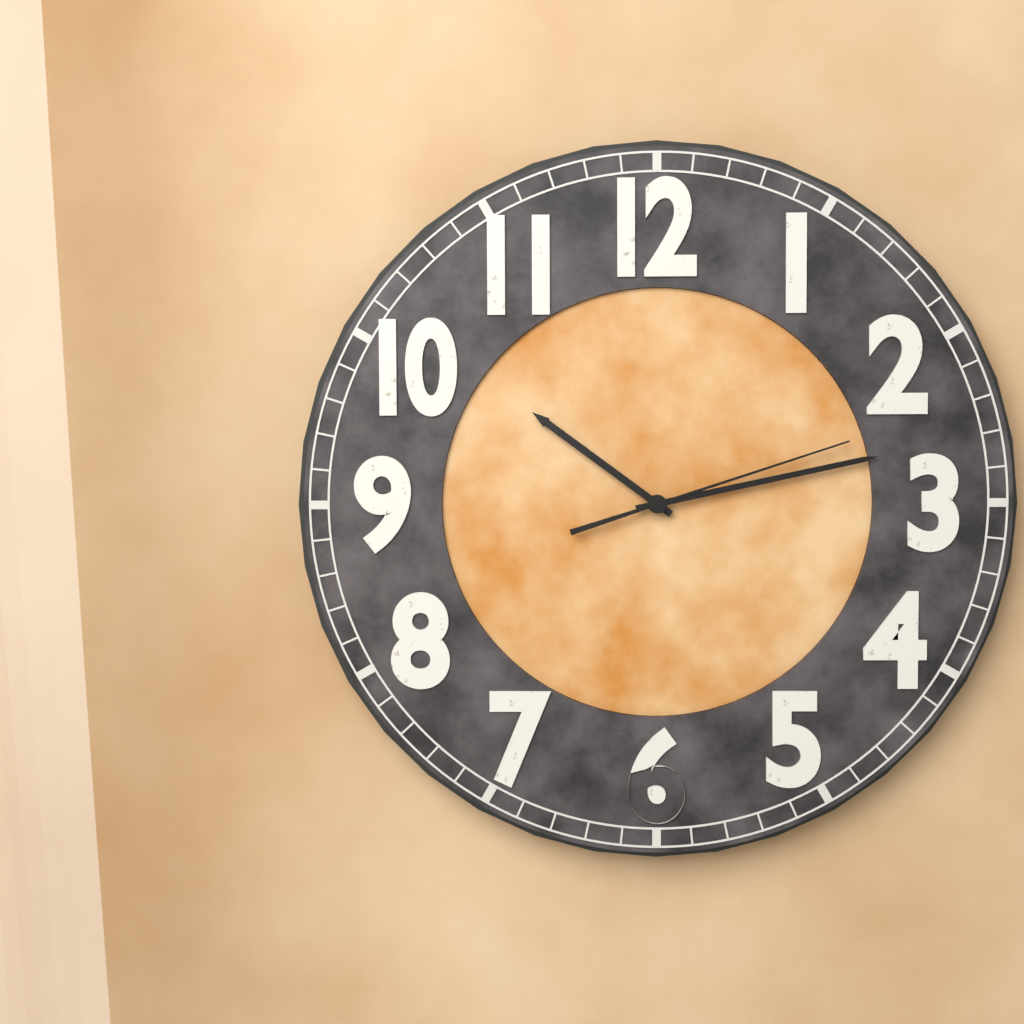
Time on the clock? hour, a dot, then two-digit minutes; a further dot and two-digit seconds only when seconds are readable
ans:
10.13.12
